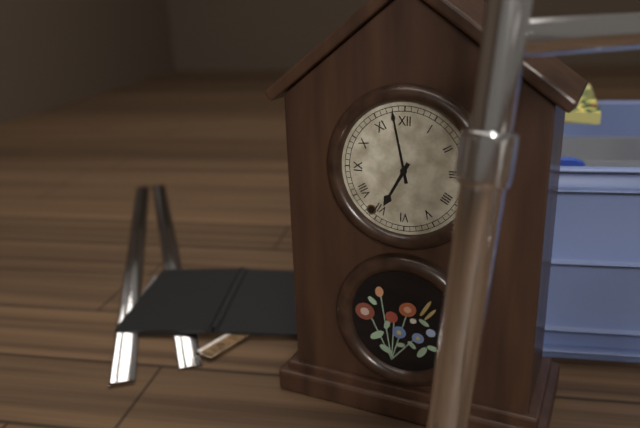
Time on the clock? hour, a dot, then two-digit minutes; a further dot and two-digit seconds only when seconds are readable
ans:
6.58
